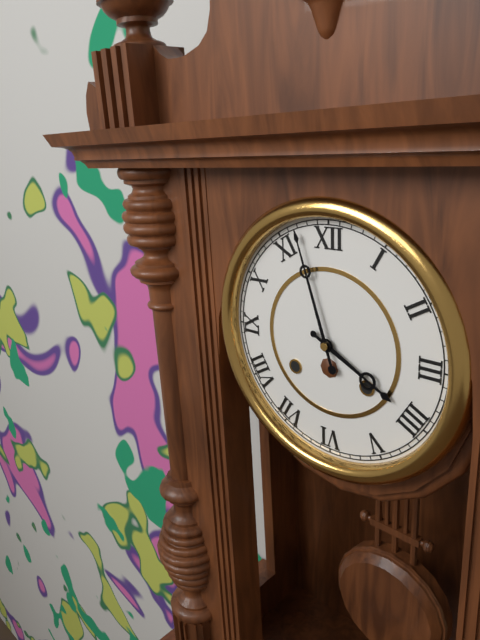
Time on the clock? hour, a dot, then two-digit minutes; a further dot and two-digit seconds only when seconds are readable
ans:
3.57
